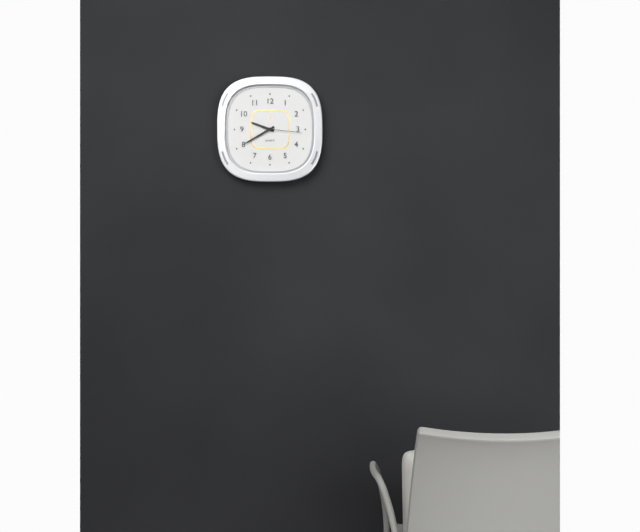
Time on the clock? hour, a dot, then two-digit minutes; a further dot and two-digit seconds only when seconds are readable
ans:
9.40
